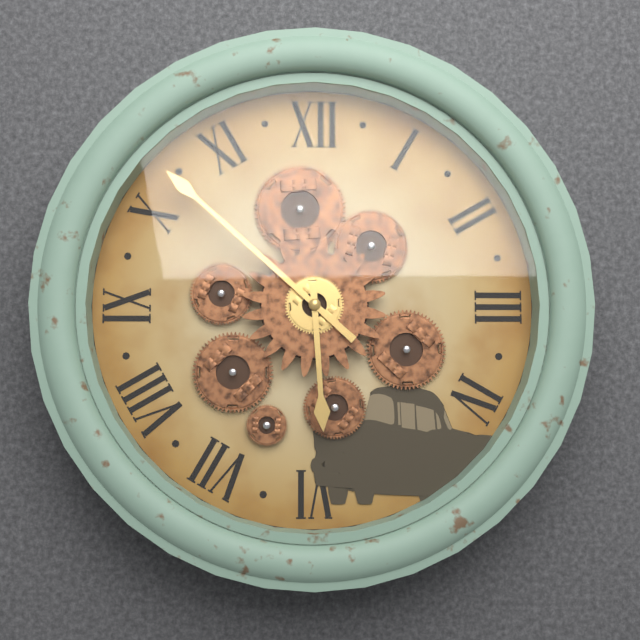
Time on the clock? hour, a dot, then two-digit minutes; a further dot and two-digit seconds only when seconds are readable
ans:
5.52
